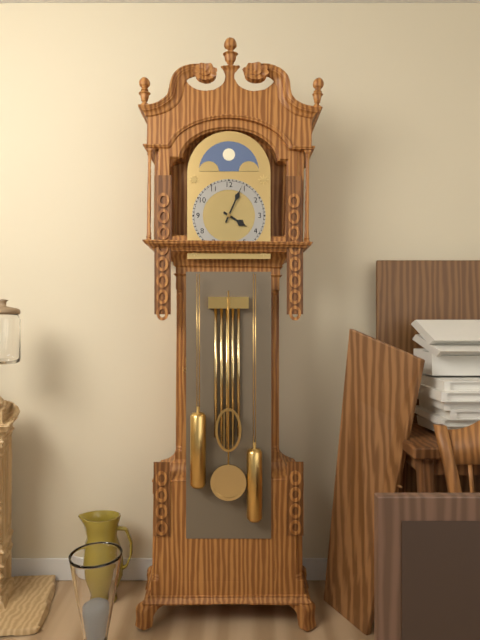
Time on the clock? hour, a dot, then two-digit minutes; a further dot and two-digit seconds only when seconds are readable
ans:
4.04
